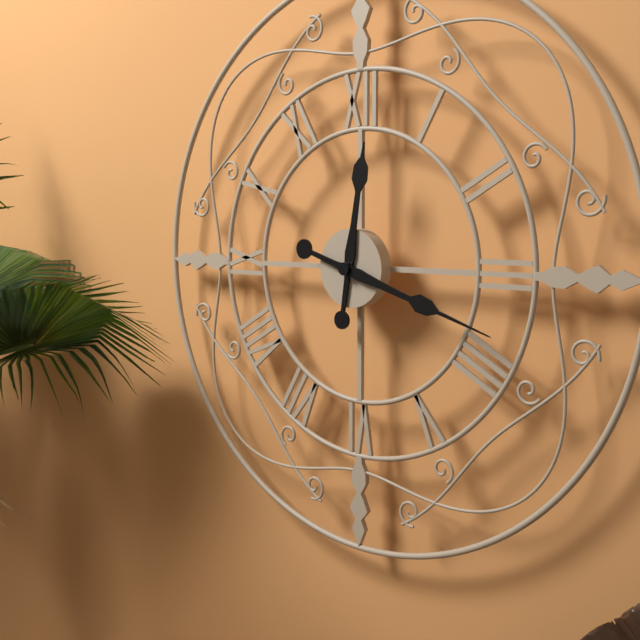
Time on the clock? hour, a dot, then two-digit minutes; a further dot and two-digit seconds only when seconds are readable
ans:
12.18
